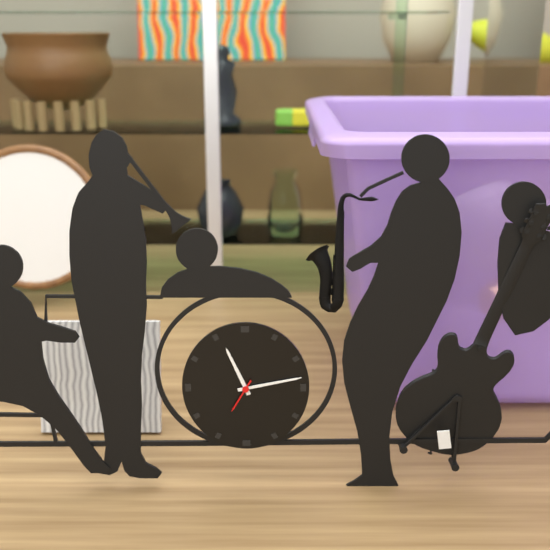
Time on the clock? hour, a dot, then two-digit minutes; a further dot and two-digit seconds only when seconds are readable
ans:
11.13
